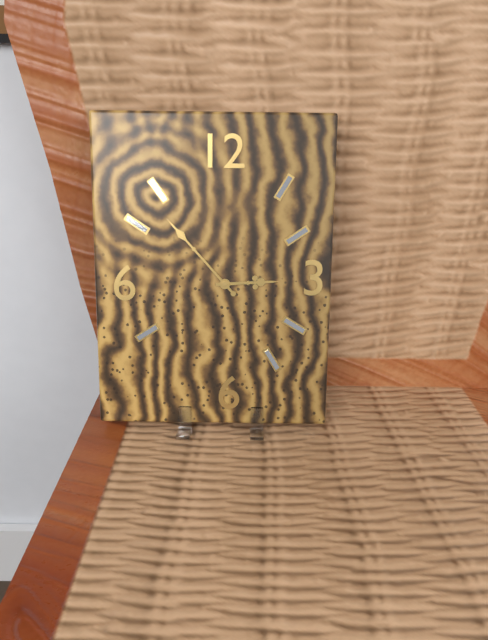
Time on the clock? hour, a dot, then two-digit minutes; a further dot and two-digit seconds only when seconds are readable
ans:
2.53
